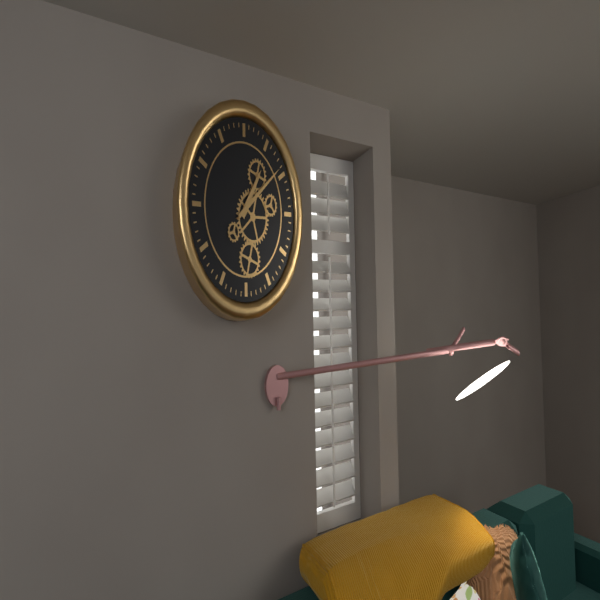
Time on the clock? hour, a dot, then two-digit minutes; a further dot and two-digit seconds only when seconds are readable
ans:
1.09
